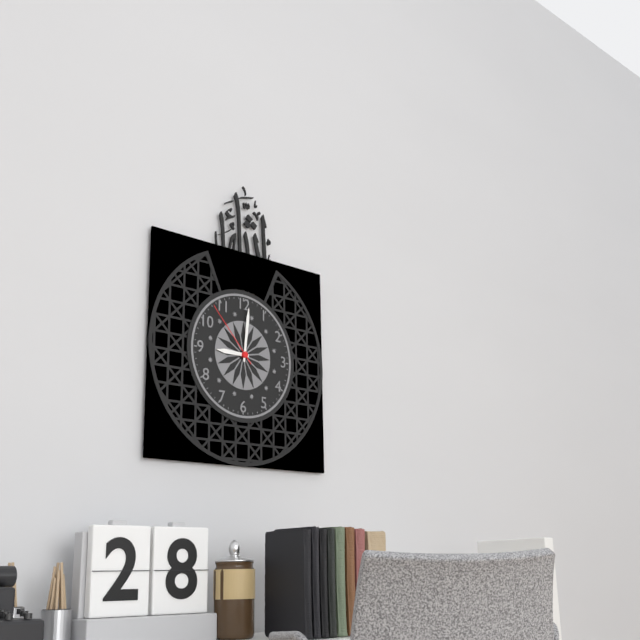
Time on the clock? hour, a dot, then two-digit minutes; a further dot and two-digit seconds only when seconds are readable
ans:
9.01.53
